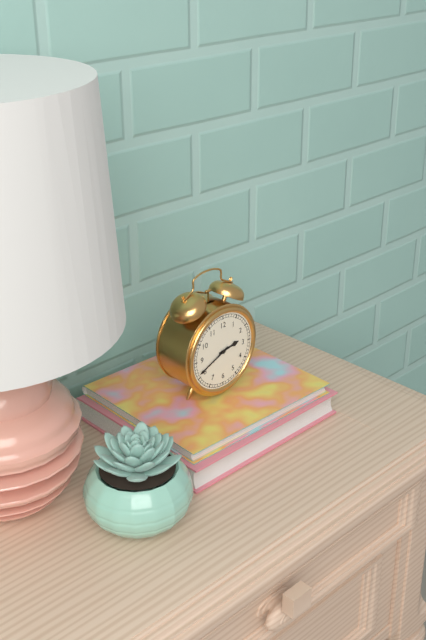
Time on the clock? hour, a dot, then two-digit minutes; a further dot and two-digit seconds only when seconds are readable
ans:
2.41
